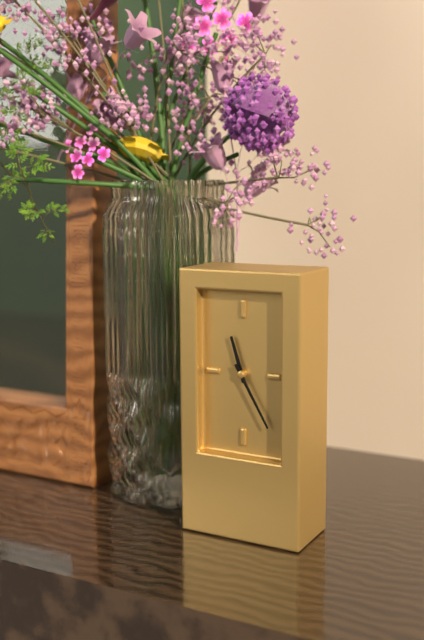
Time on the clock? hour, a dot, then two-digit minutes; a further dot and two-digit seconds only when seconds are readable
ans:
11.25
